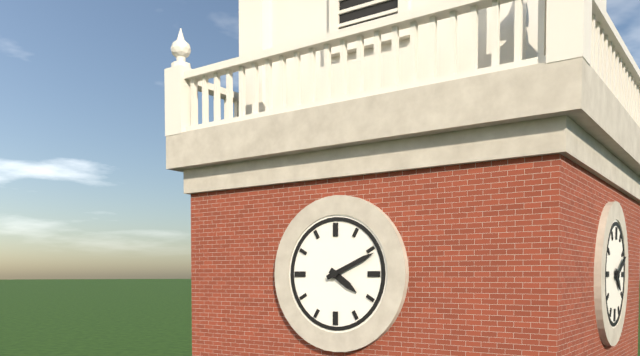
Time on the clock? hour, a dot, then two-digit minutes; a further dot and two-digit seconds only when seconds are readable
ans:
4.11
